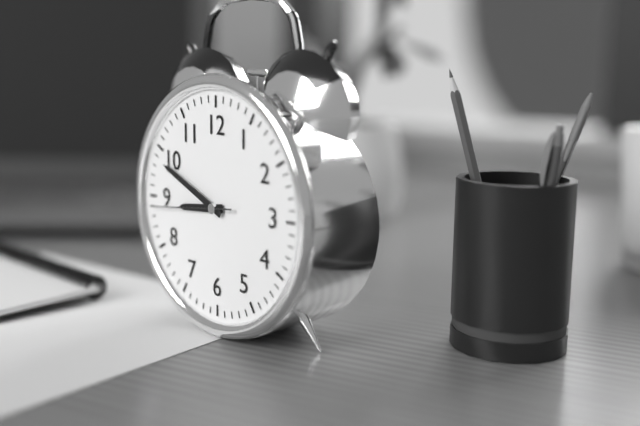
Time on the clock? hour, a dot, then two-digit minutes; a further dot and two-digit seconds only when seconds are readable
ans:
8.49.44
